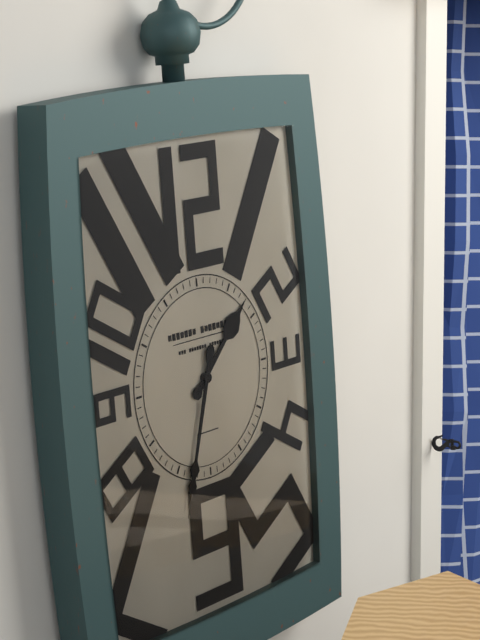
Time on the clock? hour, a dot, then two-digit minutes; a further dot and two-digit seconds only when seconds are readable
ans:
1.33
